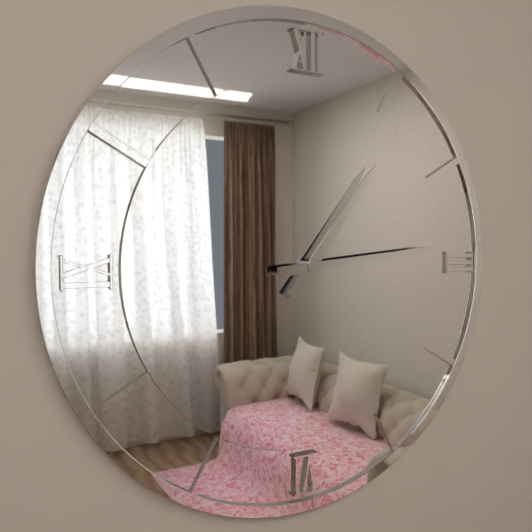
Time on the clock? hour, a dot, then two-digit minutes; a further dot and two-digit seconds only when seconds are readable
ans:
1.14
